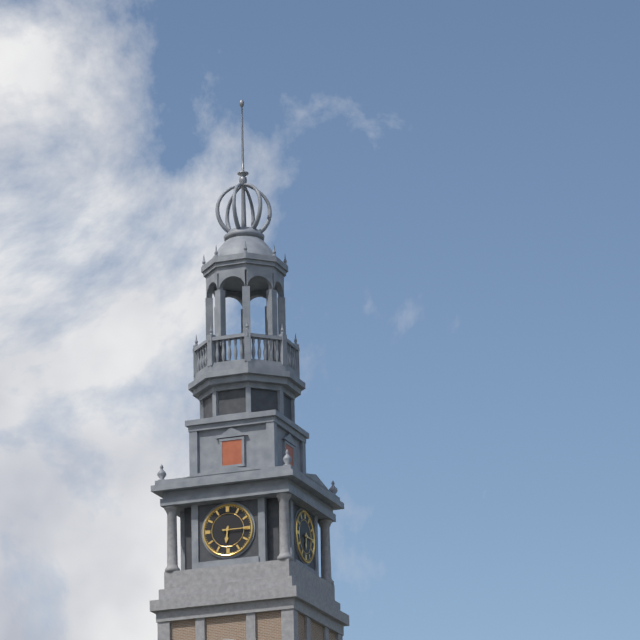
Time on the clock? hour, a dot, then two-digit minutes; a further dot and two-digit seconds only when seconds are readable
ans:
6.15
